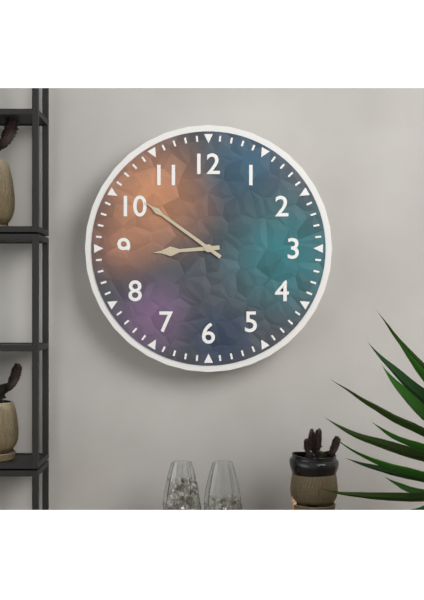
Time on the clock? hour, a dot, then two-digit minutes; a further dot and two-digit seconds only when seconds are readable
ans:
8.51
